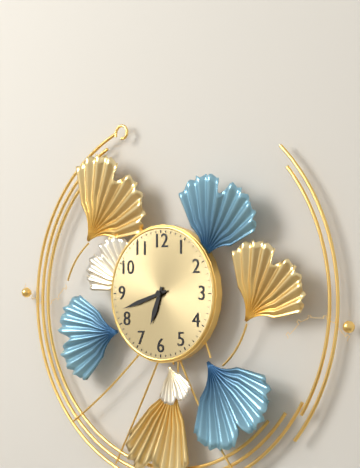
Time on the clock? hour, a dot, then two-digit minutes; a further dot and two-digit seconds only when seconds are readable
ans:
6.42
